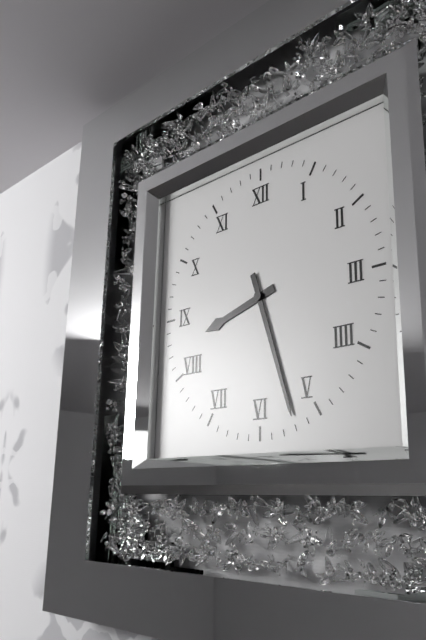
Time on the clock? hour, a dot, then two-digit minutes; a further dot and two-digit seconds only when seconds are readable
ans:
8.27
